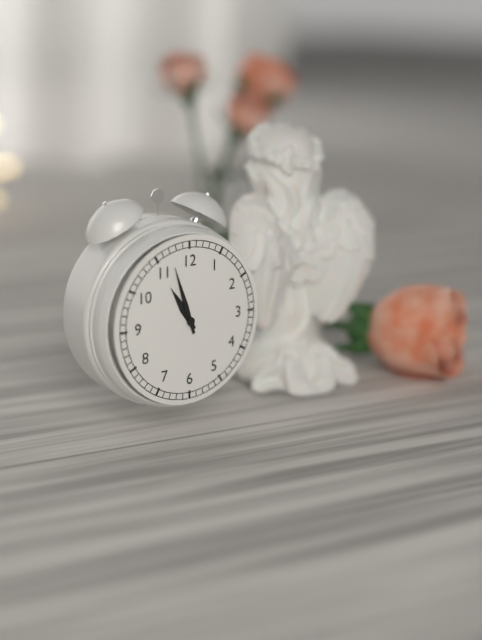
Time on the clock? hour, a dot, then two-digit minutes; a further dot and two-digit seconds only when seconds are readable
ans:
10.57
